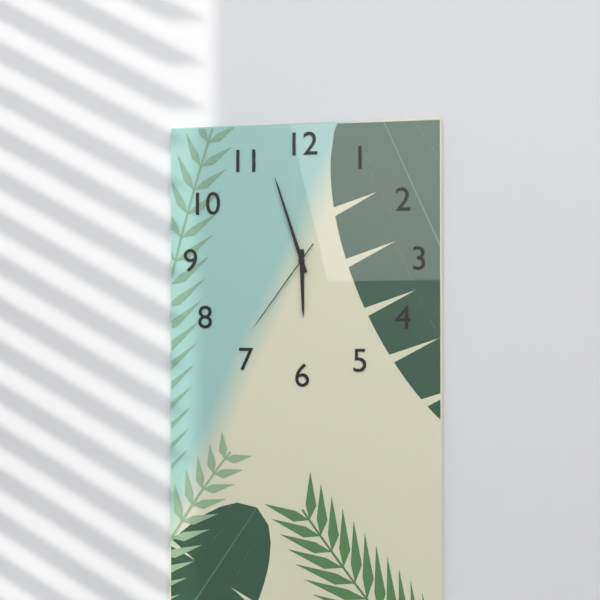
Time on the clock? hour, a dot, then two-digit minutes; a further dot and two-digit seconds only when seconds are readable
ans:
5.57.36
